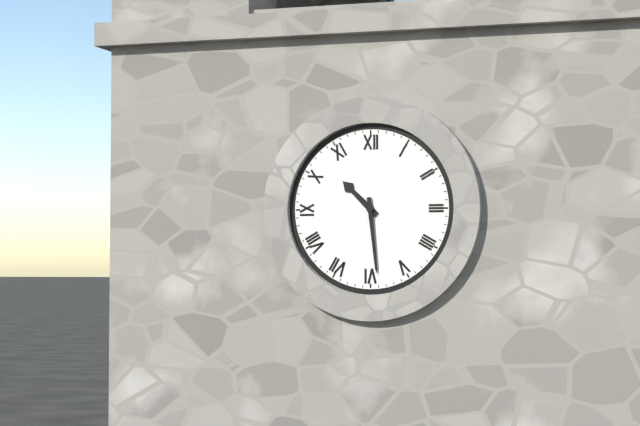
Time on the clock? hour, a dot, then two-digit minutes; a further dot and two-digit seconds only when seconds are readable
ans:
10.29
